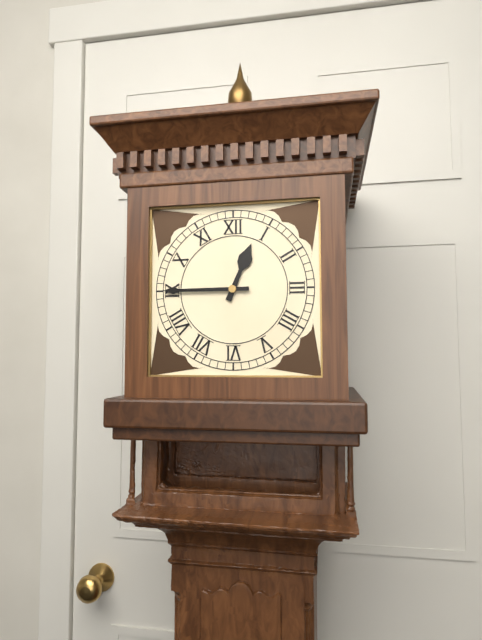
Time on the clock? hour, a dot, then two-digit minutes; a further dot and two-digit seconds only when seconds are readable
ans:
12.45
